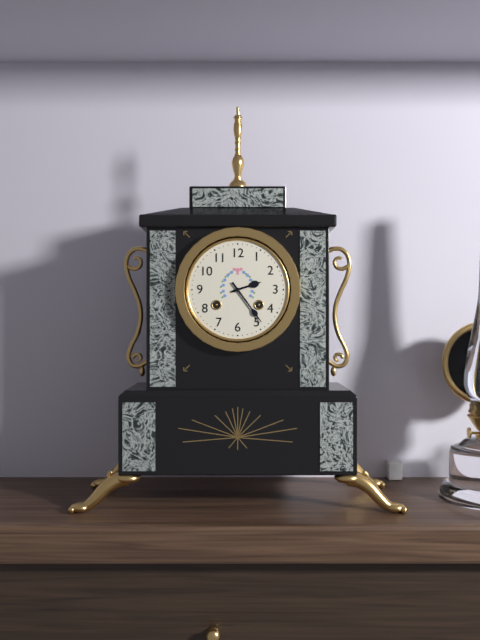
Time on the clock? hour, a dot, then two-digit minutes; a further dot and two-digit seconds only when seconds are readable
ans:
2.24
